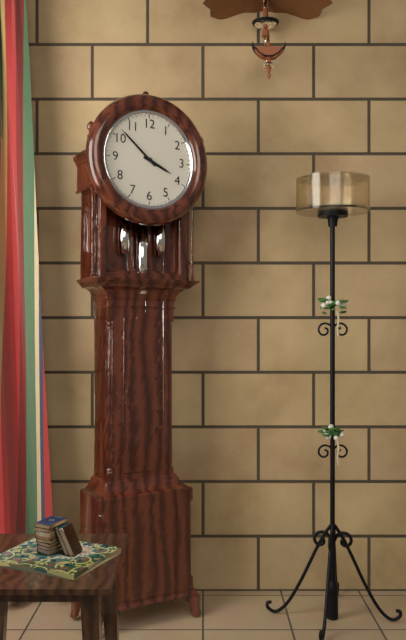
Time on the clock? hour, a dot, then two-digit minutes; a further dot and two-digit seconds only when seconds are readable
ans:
3.52
